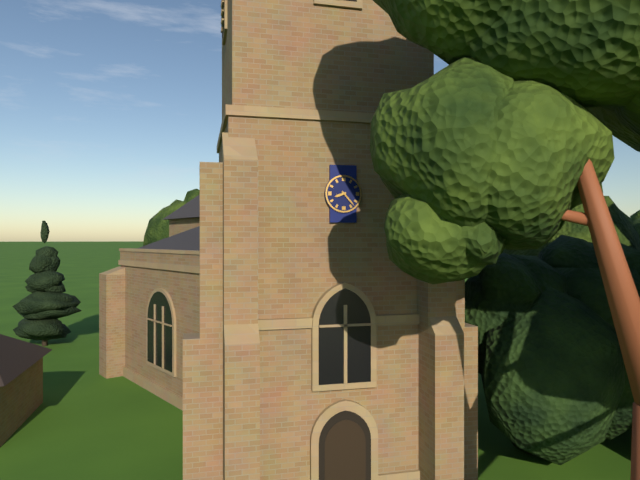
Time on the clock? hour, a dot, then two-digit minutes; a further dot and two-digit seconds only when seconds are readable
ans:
8.23
